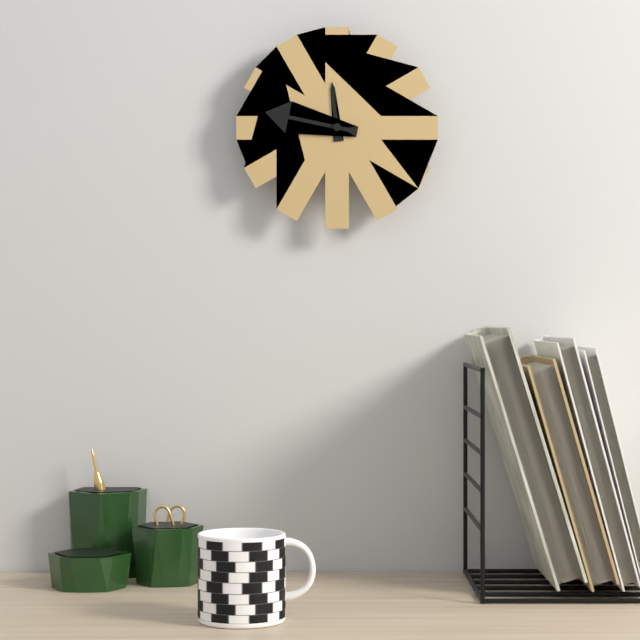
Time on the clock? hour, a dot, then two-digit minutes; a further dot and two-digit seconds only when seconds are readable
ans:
11.47
